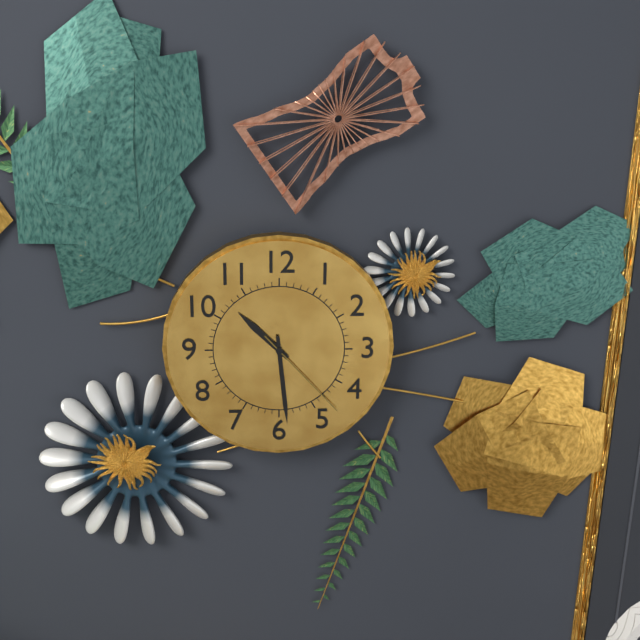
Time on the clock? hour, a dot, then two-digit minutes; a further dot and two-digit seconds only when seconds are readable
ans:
10.29.23
